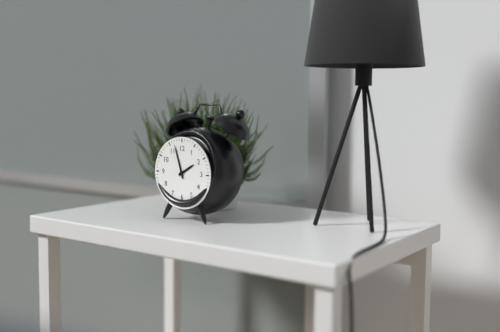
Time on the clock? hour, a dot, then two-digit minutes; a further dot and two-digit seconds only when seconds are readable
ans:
1.57
